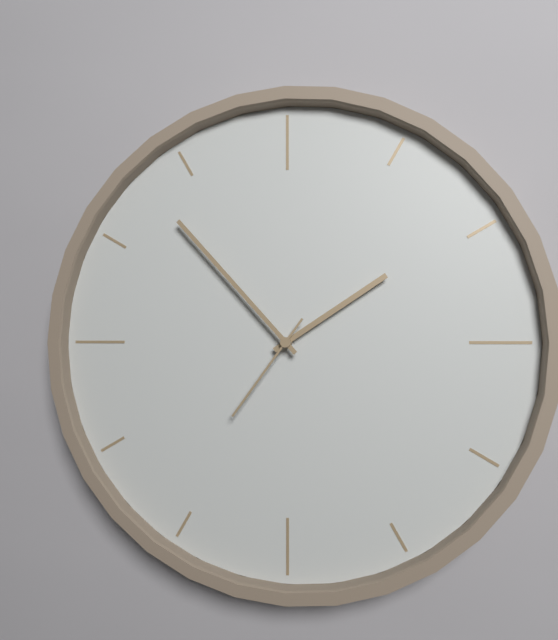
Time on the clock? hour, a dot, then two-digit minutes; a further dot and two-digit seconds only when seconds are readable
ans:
1.53.36
